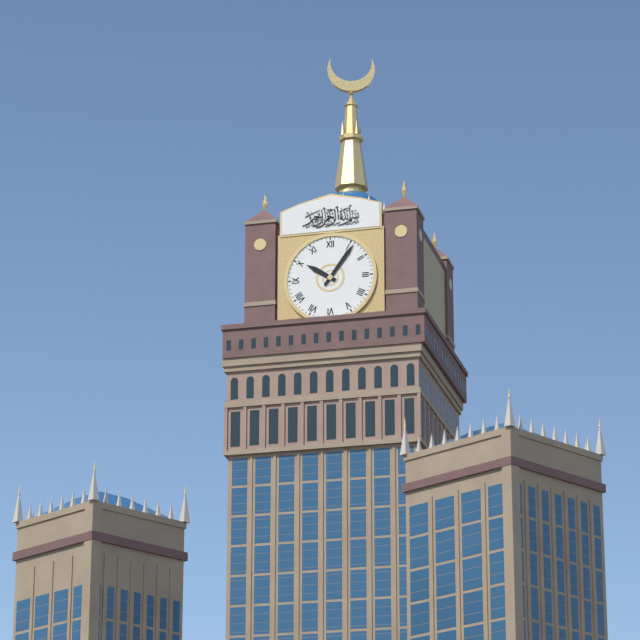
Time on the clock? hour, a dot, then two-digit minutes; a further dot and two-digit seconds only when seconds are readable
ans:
10.06
